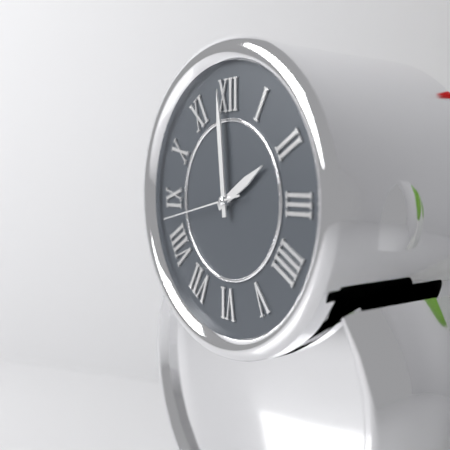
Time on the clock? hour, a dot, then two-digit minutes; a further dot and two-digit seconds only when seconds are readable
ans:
1.59.43
